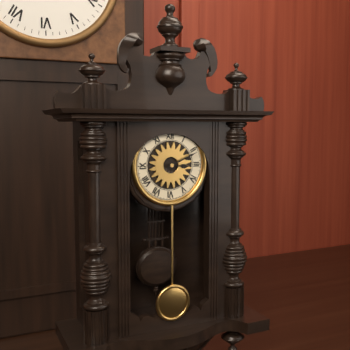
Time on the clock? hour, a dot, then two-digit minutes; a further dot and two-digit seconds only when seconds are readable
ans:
3.11
